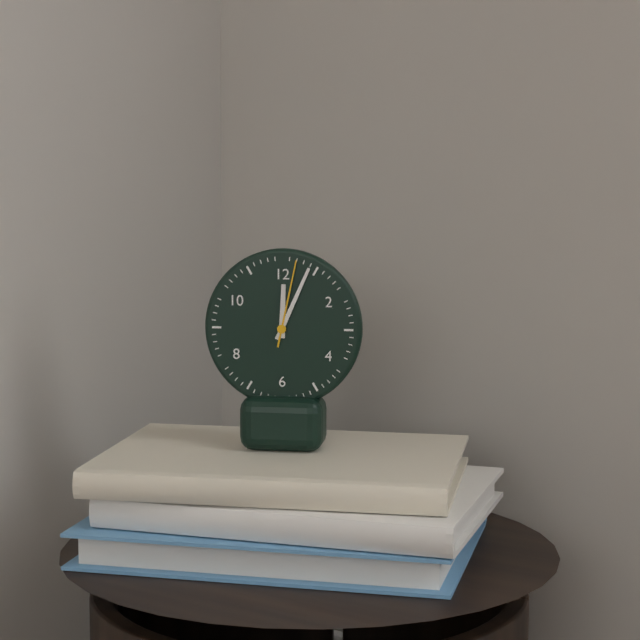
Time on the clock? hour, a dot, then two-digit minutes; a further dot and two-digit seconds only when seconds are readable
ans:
12.04.02
